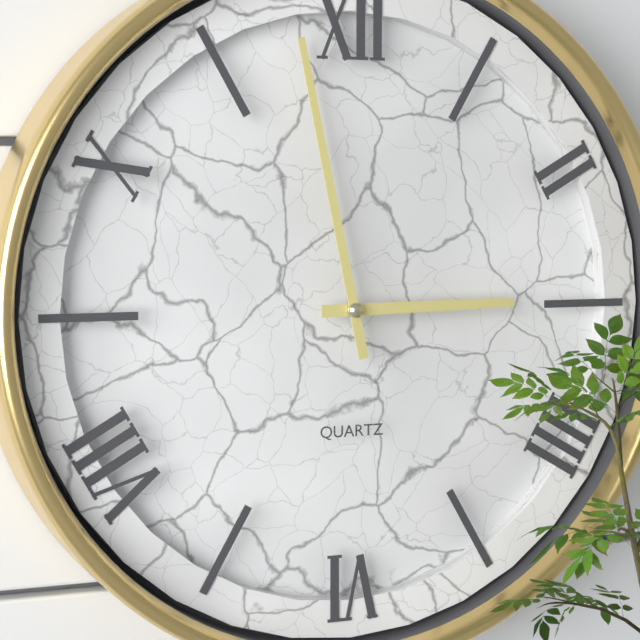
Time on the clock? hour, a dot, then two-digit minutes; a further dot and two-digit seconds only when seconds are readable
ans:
2.58
